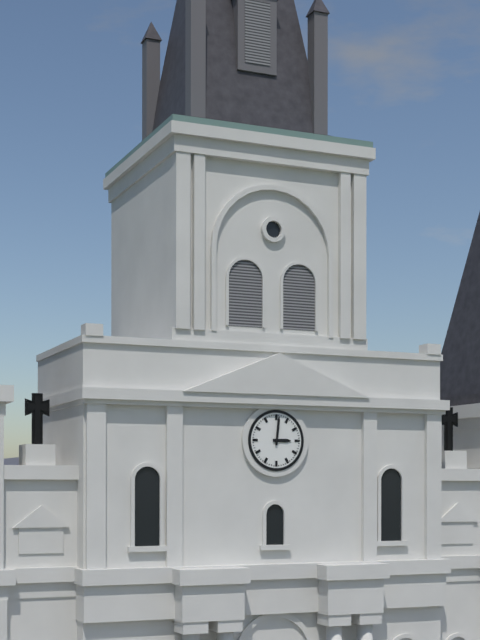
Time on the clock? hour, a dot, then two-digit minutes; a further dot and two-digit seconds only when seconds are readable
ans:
3.01
